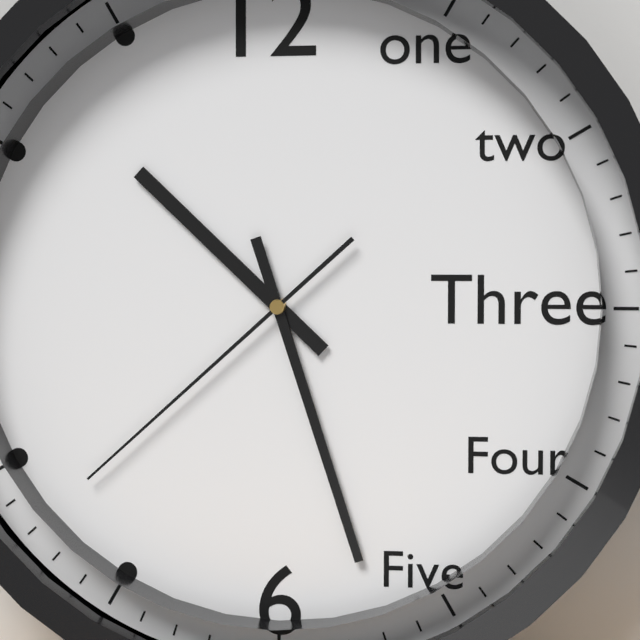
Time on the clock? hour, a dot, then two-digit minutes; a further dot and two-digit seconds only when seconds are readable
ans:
10.27.38
